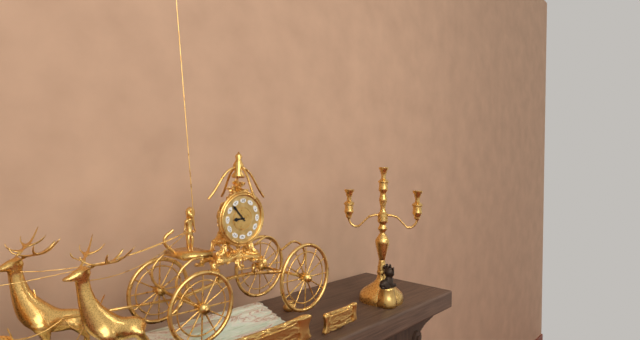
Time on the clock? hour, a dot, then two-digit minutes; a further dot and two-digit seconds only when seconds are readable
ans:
8.53
